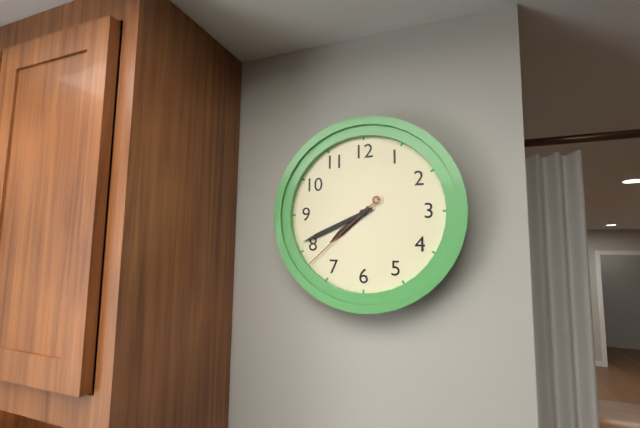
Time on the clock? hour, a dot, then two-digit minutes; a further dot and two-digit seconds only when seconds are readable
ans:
7.41.38
